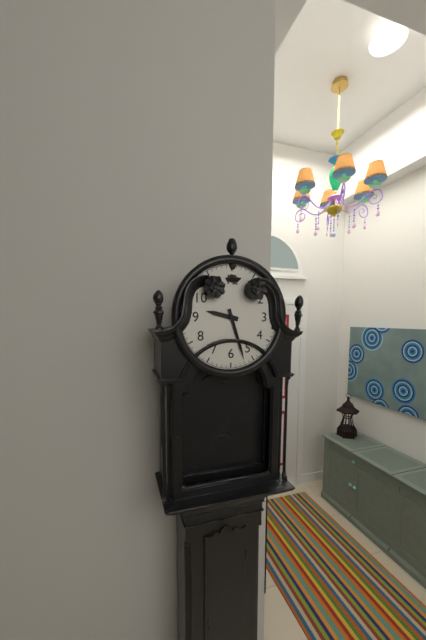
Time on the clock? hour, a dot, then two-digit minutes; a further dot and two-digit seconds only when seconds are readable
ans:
9.27
